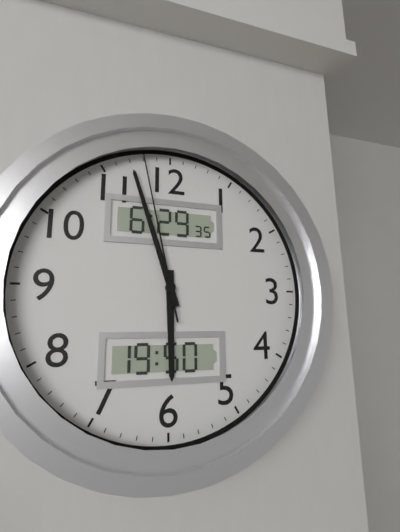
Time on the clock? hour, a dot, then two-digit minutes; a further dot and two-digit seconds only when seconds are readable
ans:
5.57.58
